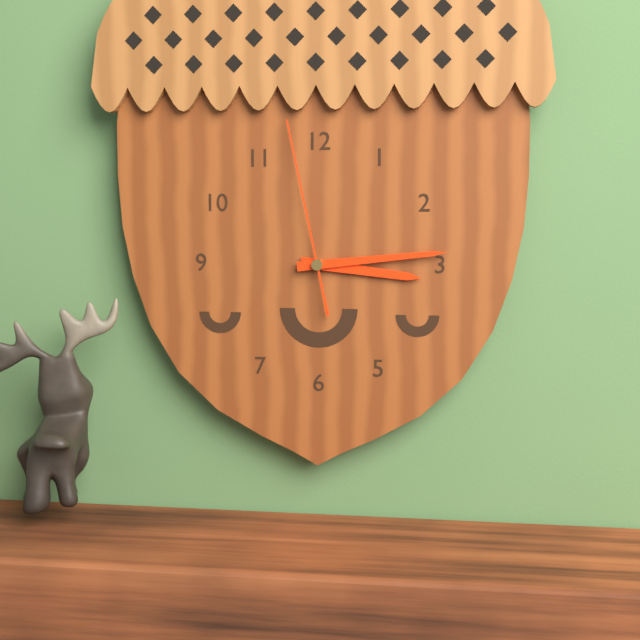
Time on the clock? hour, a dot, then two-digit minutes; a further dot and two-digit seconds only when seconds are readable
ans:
3.14.58
